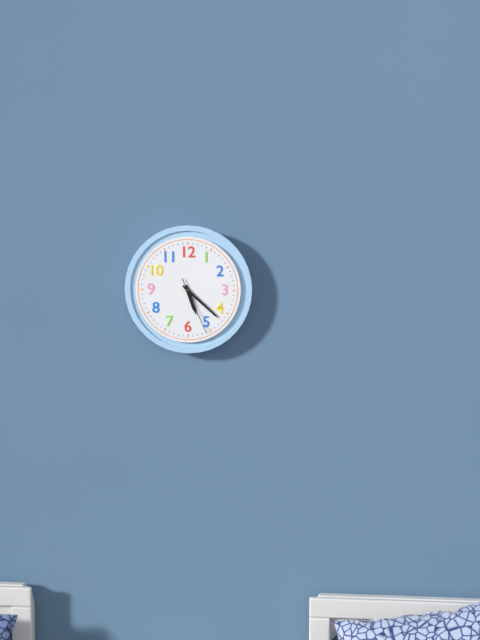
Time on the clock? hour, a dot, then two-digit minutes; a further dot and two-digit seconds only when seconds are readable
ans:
5.22.26
